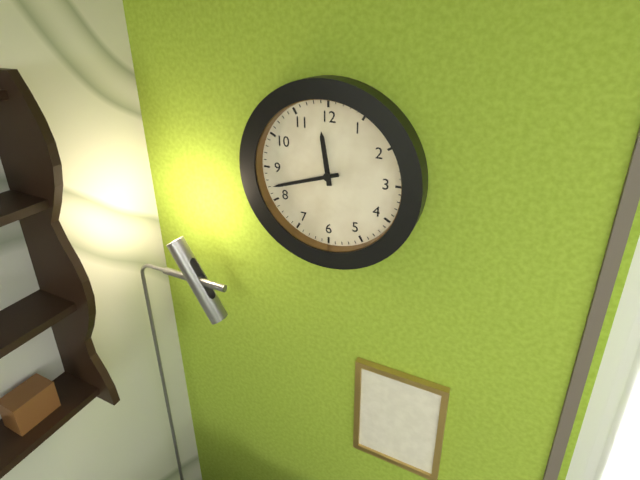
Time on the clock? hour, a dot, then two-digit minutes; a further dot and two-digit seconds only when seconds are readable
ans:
11.42
